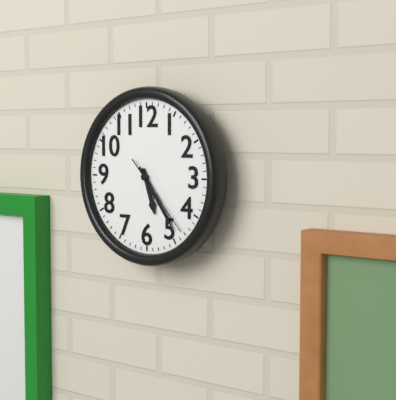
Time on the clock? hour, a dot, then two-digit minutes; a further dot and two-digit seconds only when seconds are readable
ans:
5.24.23
